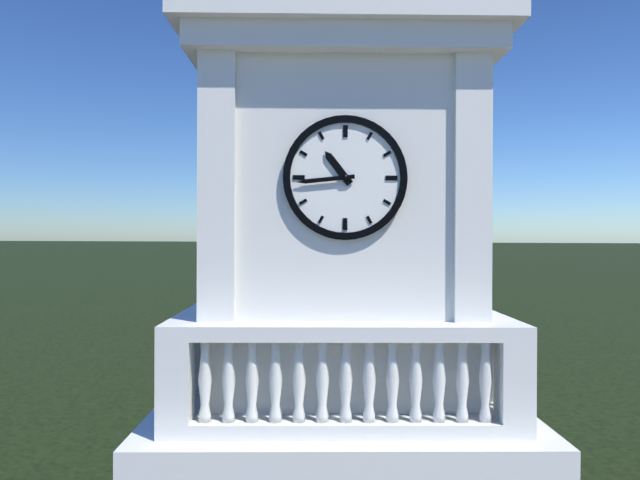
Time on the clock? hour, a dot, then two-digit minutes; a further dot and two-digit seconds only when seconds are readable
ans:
10.44
